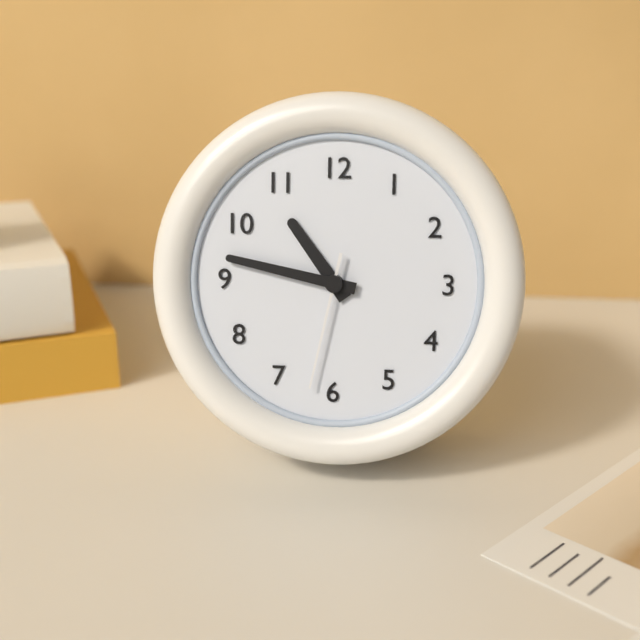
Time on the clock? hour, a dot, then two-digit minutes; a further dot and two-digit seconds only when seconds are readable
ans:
10.47.32
